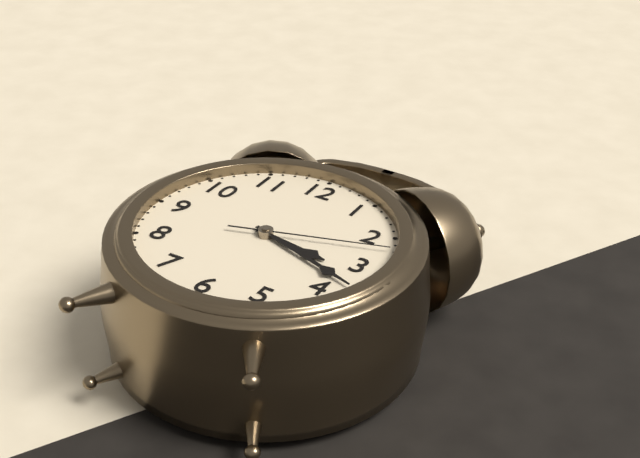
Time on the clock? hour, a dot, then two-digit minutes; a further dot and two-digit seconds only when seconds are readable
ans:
3.18.12
